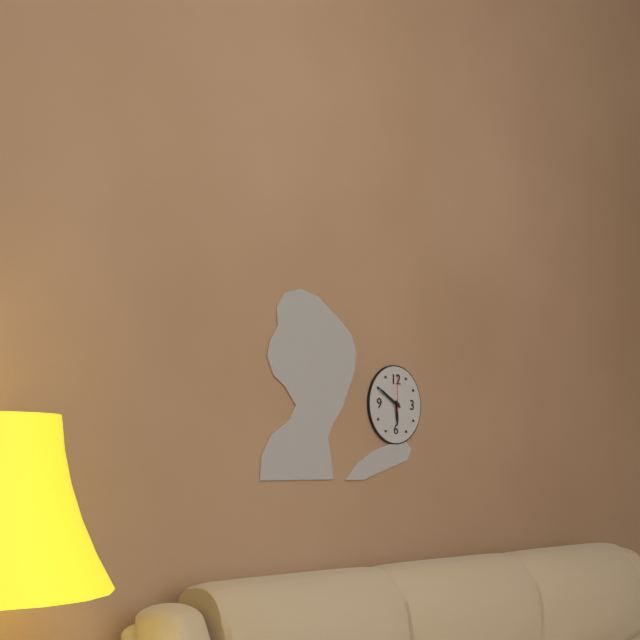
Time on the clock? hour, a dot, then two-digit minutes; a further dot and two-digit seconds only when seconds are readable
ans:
5.50
